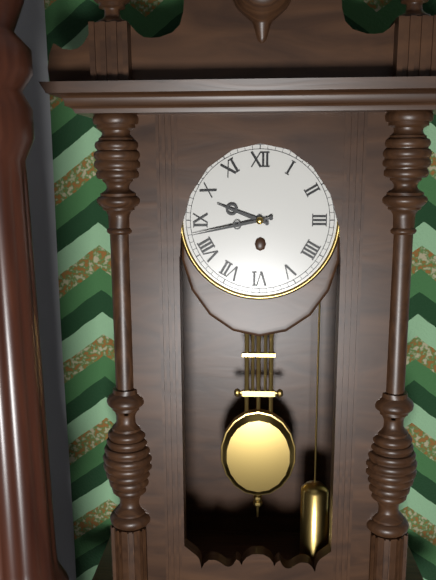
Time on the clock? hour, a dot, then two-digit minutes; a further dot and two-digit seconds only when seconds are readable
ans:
9.43
